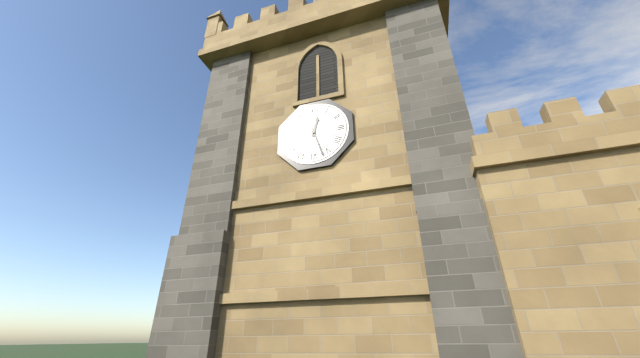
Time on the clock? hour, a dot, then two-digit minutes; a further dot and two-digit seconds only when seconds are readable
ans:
12.27
